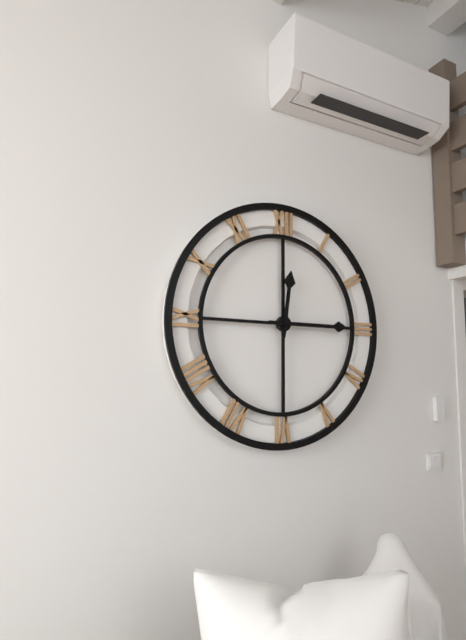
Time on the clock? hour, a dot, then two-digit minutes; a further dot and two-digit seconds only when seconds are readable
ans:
12.15
